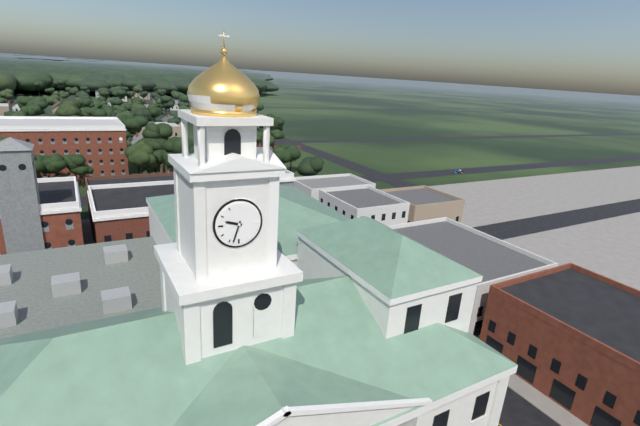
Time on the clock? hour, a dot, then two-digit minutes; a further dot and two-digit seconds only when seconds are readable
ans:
9.33
